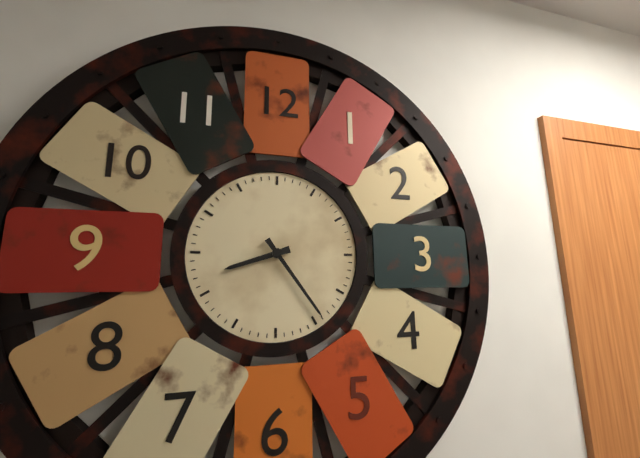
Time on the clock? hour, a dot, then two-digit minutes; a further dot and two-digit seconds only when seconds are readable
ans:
8.24
